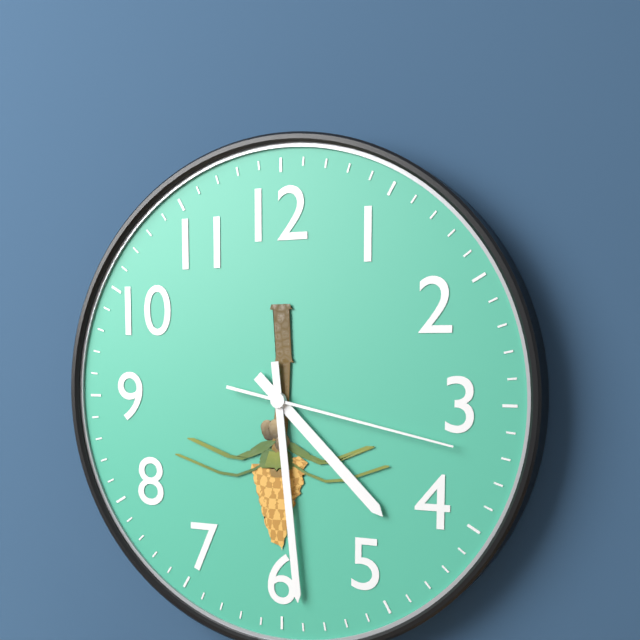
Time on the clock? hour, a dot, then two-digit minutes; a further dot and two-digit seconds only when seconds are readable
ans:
4.29.17
